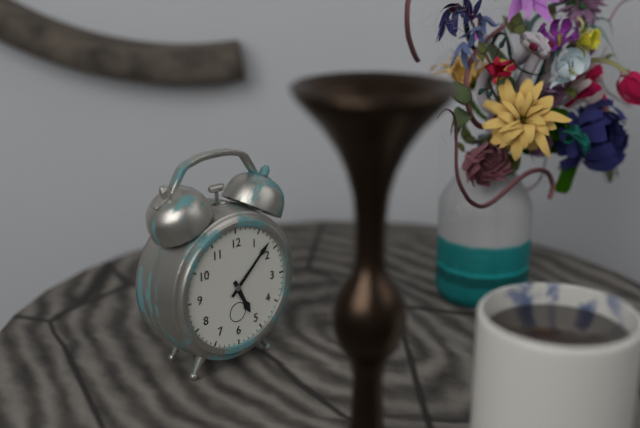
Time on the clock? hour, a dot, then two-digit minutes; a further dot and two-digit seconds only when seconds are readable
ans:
5.08
